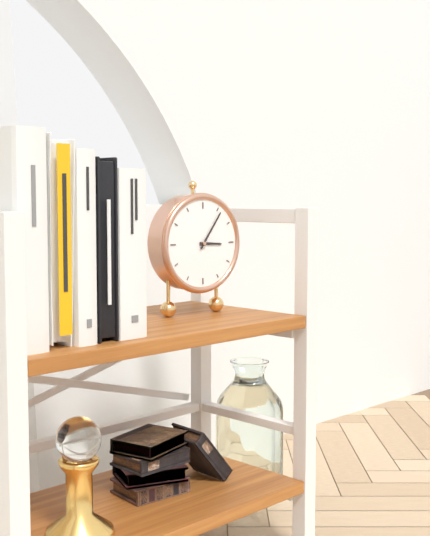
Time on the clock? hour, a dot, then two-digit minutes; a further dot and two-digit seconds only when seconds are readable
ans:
3.06
